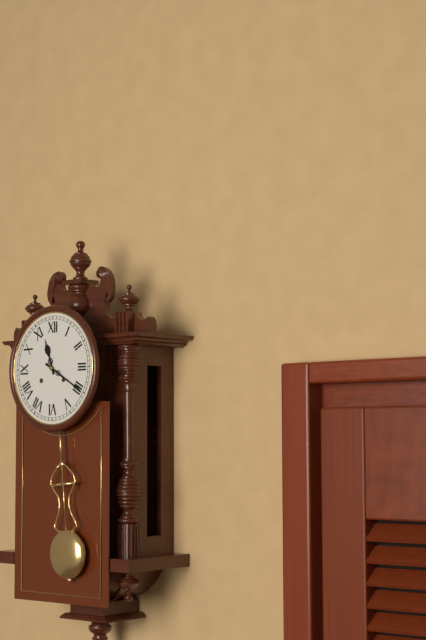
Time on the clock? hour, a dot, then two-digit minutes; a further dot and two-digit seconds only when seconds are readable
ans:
11.20
